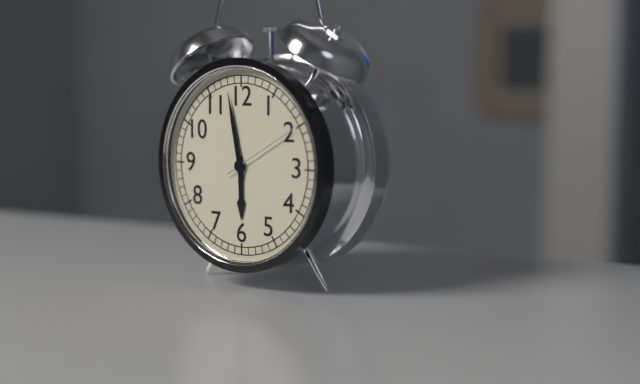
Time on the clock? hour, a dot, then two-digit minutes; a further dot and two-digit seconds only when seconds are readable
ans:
5.58.10
